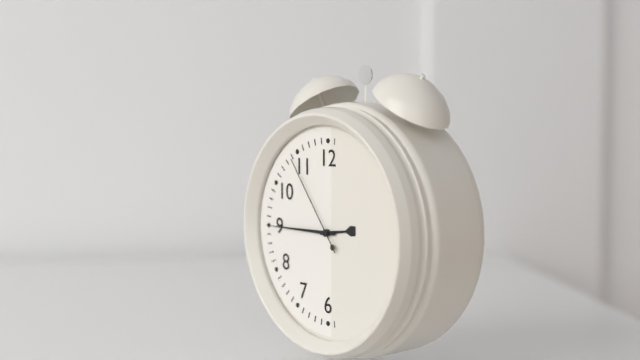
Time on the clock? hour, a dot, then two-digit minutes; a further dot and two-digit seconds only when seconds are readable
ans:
2.45.54
